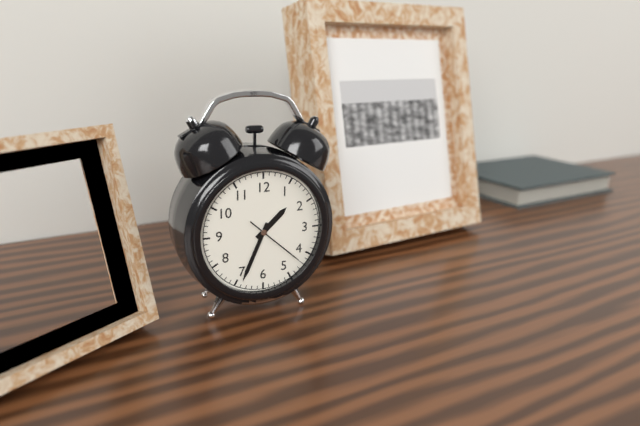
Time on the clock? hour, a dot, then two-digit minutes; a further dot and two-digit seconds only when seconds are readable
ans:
1.34.22
